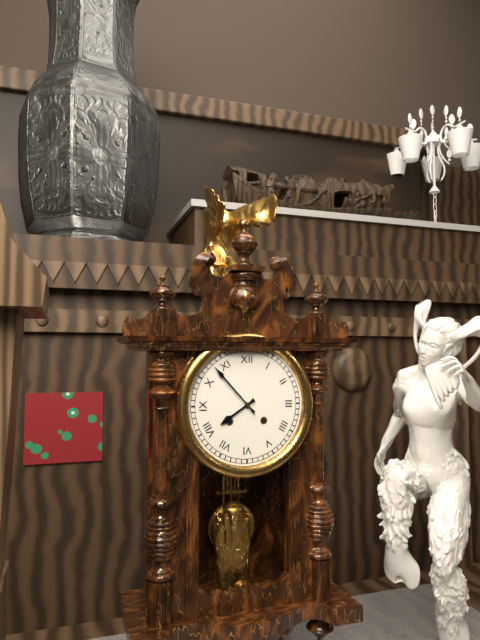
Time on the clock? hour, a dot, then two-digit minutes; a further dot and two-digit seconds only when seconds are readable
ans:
7.53
